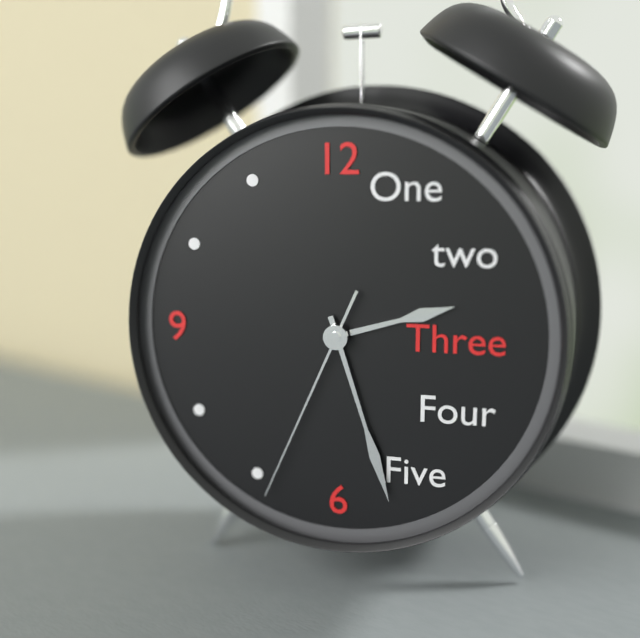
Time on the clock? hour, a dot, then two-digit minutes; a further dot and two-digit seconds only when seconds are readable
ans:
2.27.34
